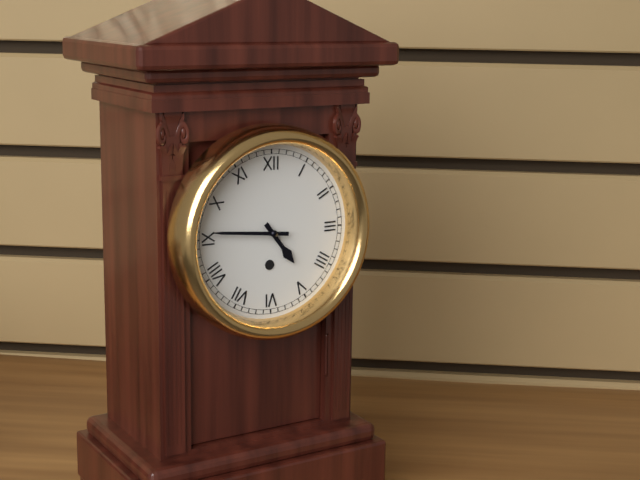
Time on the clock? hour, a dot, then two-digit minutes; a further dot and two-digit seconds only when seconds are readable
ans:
4.46
